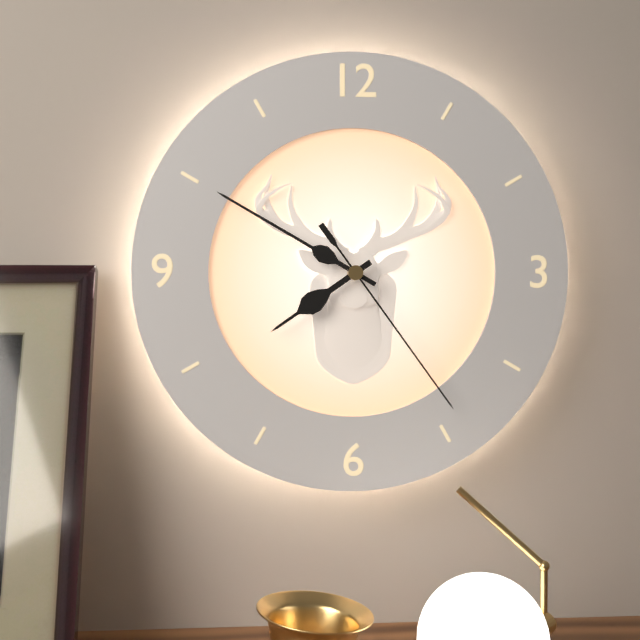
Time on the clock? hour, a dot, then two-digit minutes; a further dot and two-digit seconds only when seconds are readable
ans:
7.50.24
